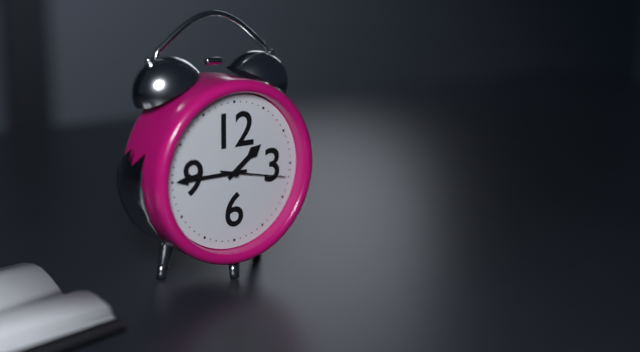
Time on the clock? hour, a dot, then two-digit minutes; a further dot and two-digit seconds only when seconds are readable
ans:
1.45.17
